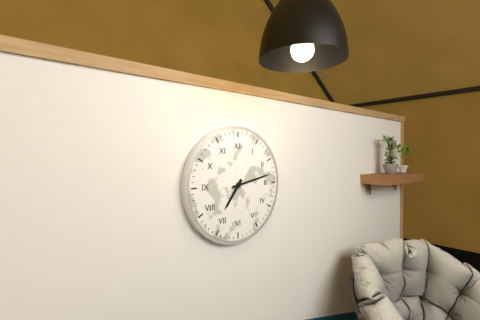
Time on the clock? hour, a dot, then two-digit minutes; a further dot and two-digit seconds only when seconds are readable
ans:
7.13
